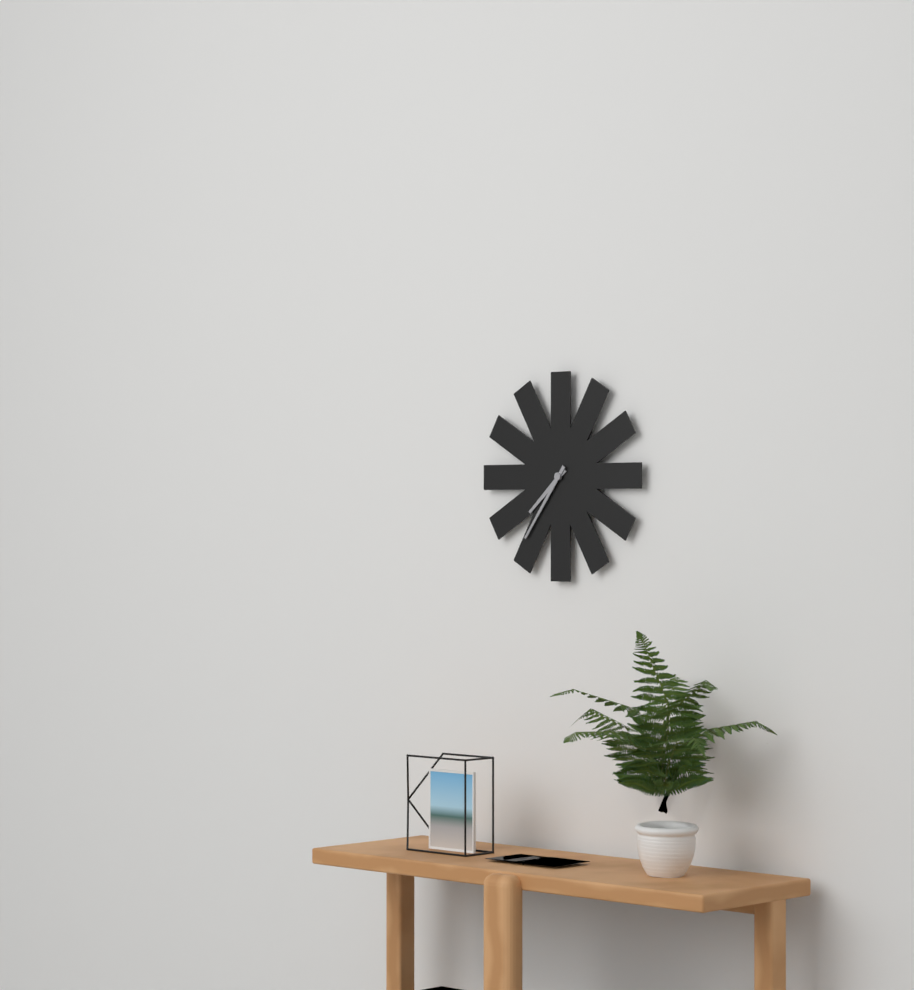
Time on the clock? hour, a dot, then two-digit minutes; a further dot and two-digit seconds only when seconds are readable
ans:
7.36
